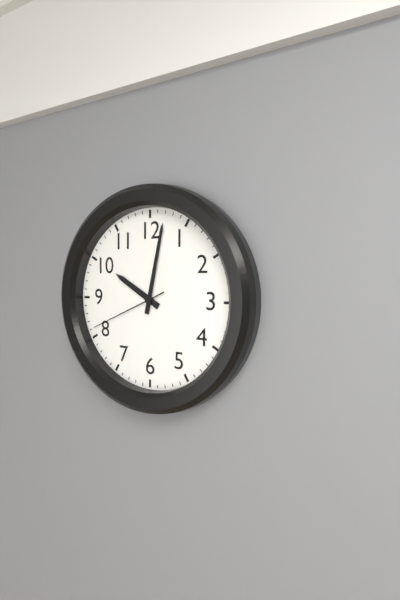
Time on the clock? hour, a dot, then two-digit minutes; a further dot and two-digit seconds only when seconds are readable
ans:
10.02.41
